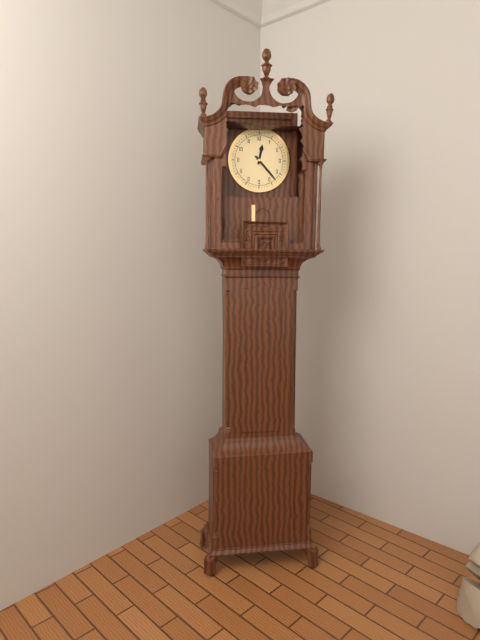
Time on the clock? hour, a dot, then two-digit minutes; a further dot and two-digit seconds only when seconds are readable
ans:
12.23
